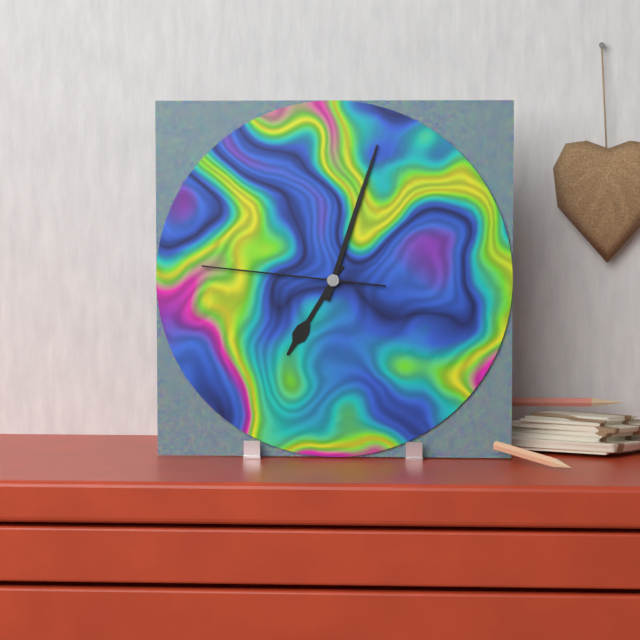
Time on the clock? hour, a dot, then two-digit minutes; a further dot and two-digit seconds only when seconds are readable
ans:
7.03.46
